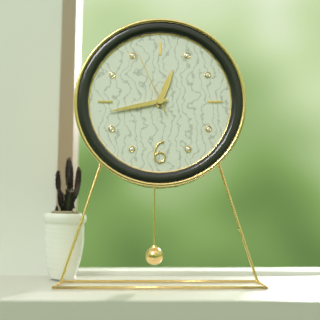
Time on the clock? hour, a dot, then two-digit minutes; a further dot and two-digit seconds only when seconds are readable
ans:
12.43.56
